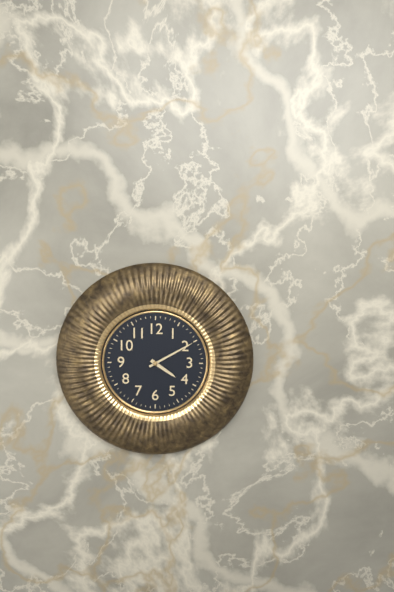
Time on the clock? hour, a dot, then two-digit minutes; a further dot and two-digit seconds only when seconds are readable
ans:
4.10
